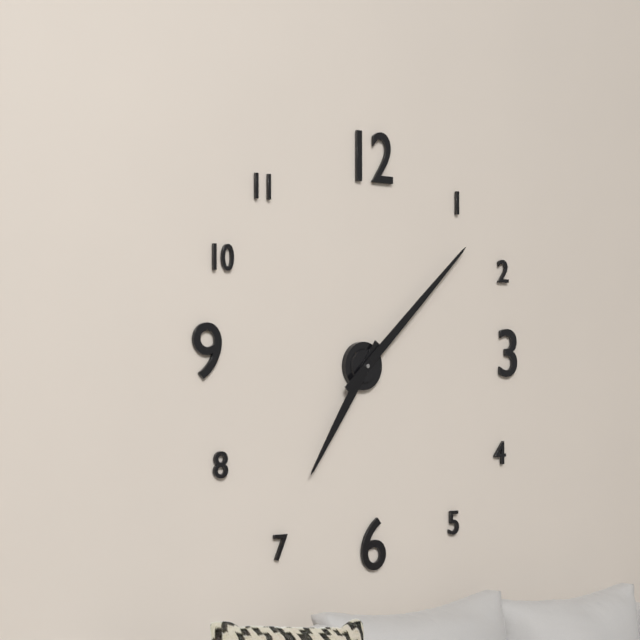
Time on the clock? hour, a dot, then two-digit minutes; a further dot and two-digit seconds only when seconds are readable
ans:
7.08
